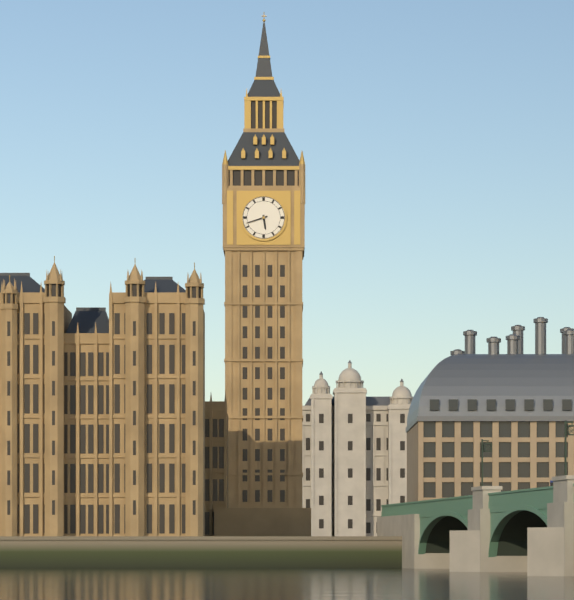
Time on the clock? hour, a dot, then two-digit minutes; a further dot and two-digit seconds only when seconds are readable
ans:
5.42
